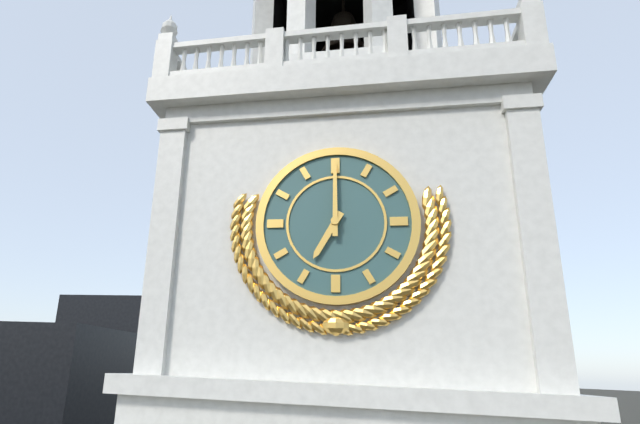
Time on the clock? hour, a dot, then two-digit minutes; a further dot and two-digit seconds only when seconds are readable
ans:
7.00
